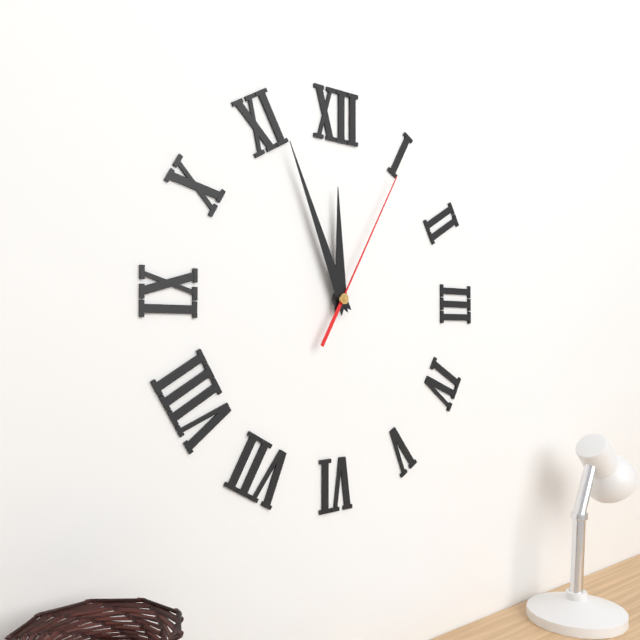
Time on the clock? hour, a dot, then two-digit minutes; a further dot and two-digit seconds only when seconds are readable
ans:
11.56.05
